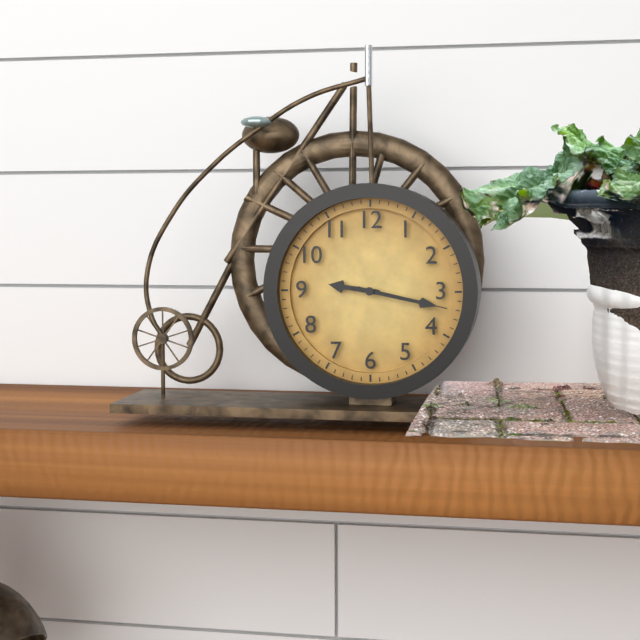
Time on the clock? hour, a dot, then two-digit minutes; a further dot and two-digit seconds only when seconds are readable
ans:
9.17.17
